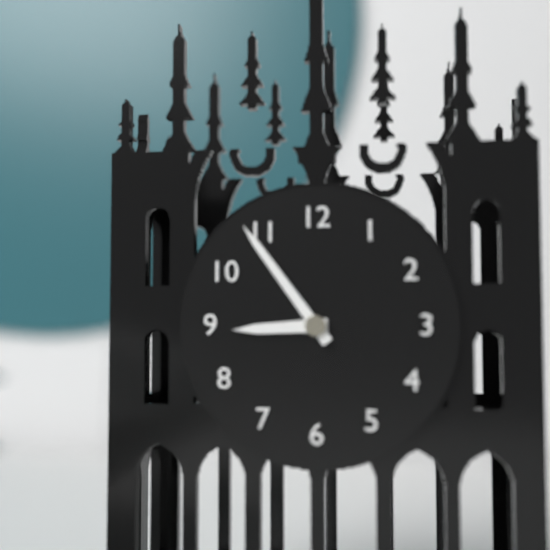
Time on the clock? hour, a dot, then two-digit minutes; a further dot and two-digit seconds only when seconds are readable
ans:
8.54
